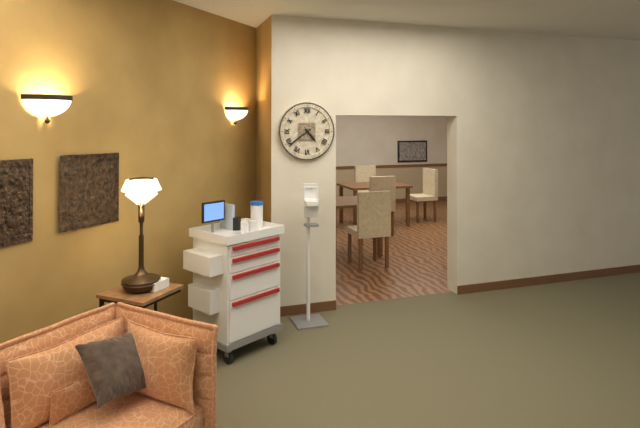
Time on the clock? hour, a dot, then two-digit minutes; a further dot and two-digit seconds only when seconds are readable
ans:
4.39
